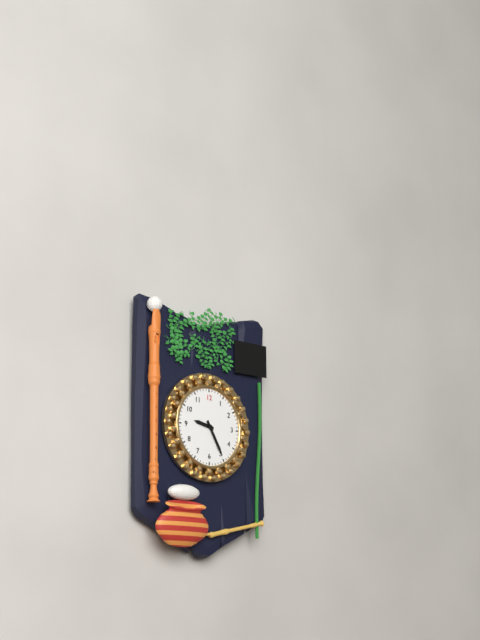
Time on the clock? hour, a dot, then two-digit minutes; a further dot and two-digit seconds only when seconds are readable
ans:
9.25
